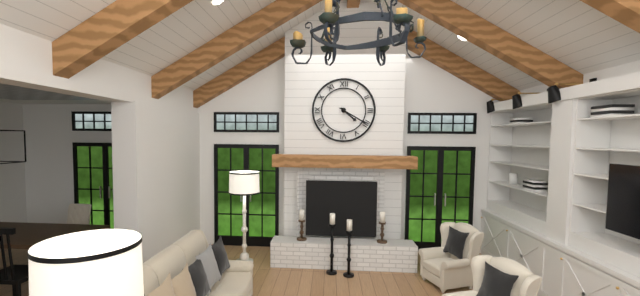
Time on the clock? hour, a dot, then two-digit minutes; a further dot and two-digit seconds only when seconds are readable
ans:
4.20
